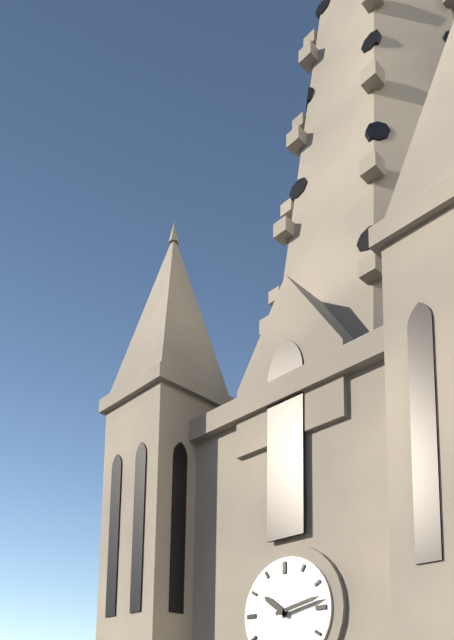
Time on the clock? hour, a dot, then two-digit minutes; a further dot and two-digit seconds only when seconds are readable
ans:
10.13
